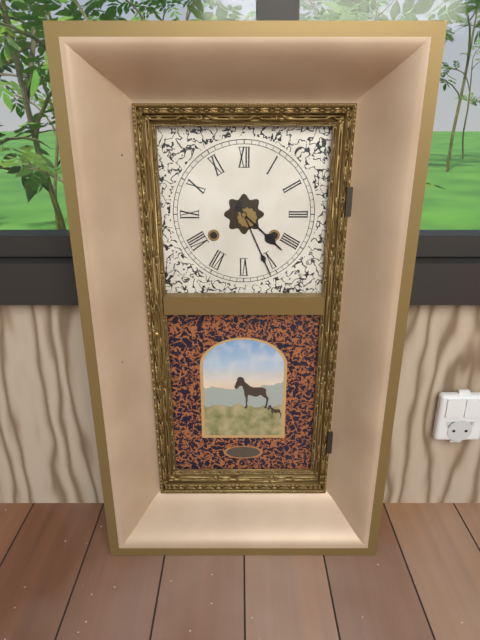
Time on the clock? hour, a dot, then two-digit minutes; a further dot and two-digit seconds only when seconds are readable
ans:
4.26
